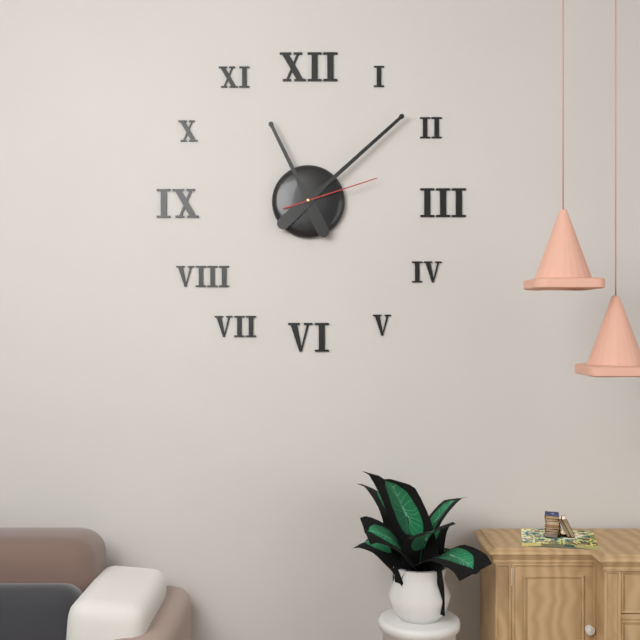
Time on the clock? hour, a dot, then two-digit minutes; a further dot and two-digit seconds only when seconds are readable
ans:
11.08.12
